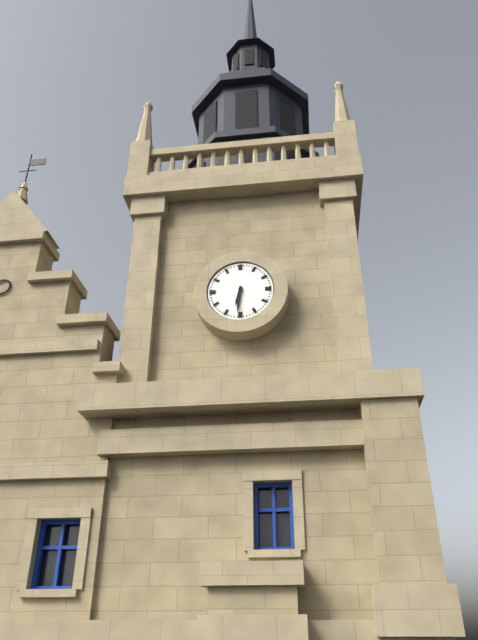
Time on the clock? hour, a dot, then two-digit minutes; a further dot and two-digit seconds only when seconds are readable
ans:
6.31
